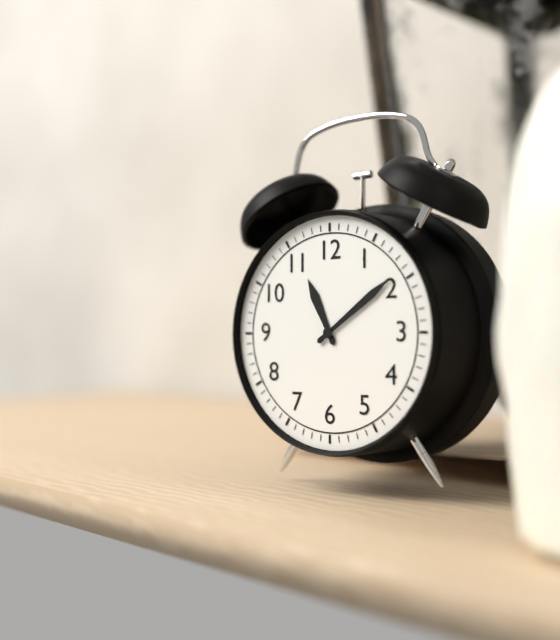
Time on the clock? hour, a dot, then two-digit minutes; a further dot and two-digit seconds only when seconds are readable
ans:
11.09
